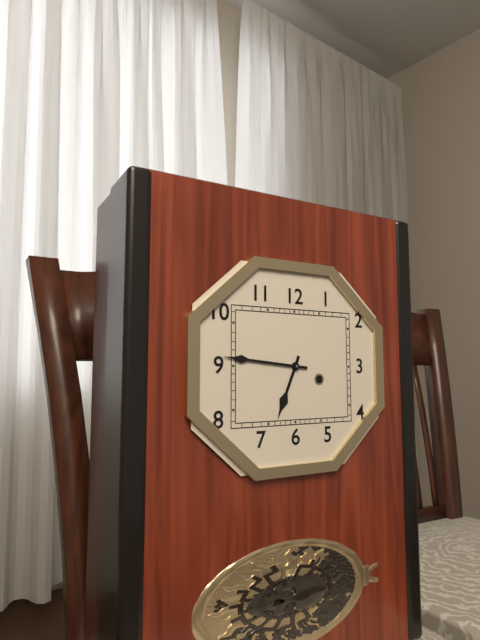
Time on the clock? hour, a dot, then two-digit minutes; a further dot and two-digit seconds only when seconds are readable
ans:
6.46
